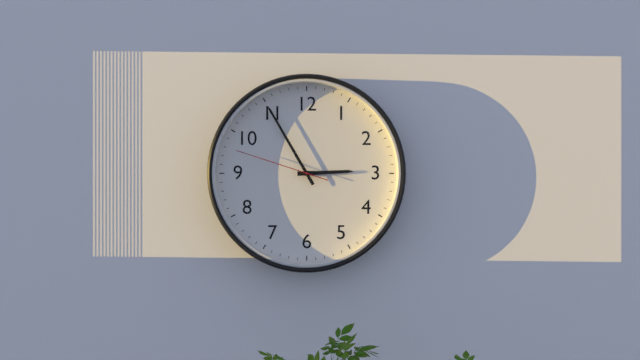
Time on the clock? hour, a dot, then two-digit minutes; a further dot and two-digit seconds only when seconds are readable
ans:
2.55.48
